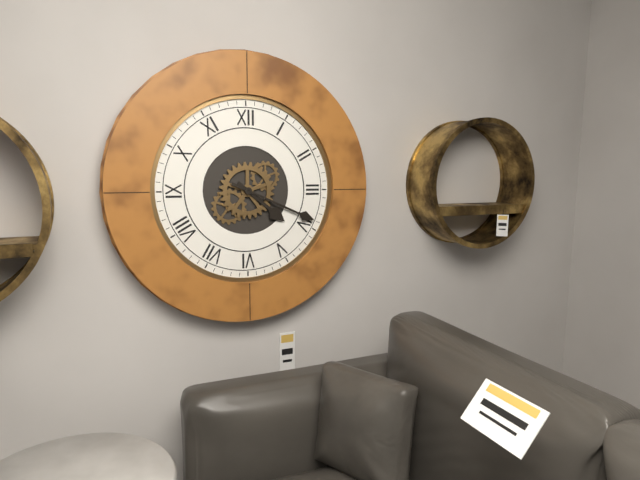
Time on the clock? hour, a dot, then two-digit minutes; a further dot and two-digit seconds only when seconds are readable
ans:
4.19
